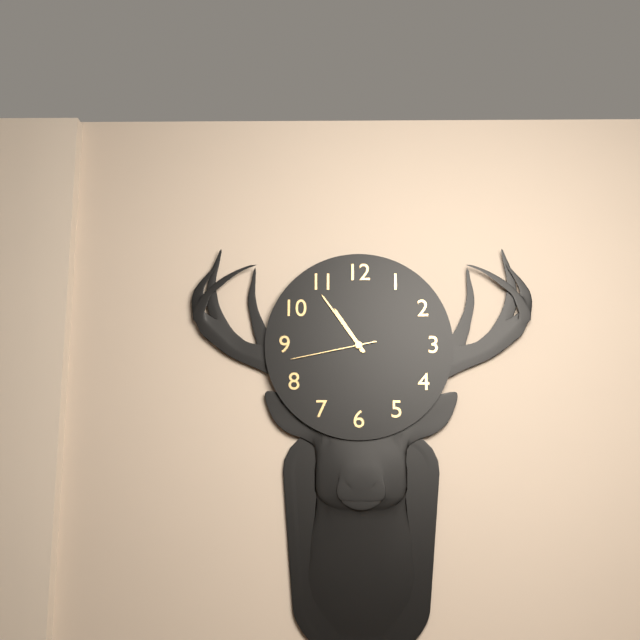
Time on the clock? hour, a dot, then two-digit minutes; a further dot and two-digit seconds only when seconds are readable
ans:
10.54.43
